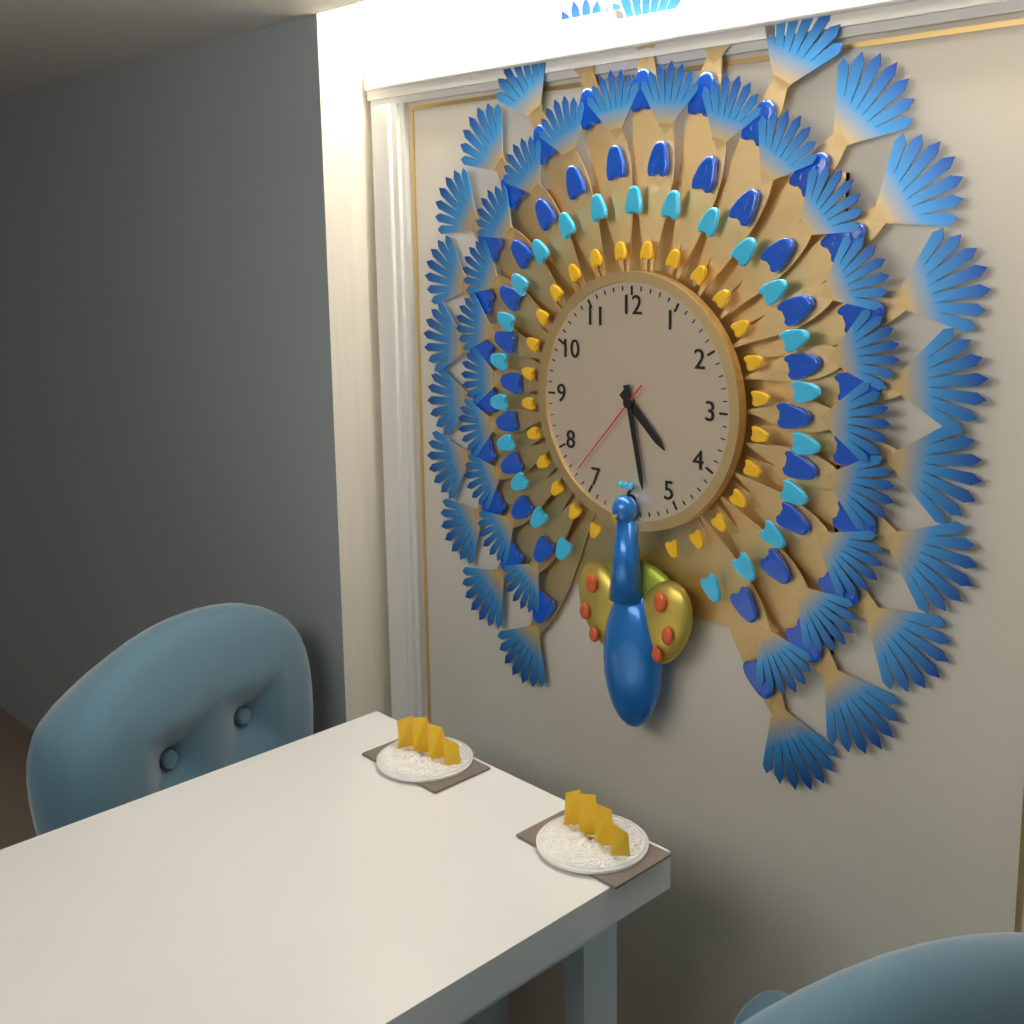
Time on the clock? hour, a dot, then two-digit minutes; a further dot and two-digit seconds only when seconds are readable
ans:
4.28.37
